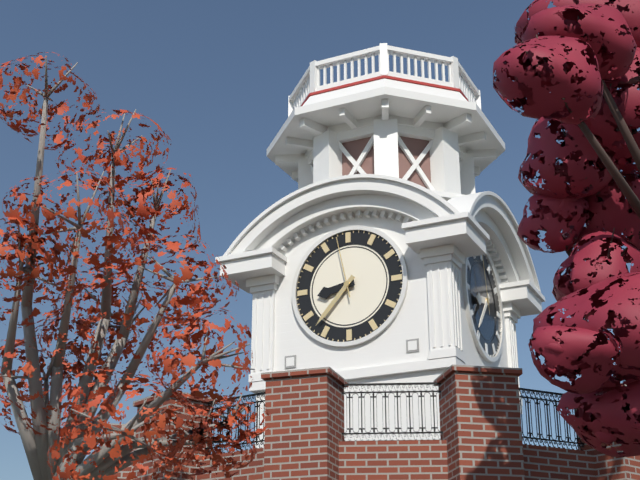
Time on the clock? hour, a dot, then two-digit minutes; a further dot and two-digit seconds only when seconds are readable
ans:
8.37.58
